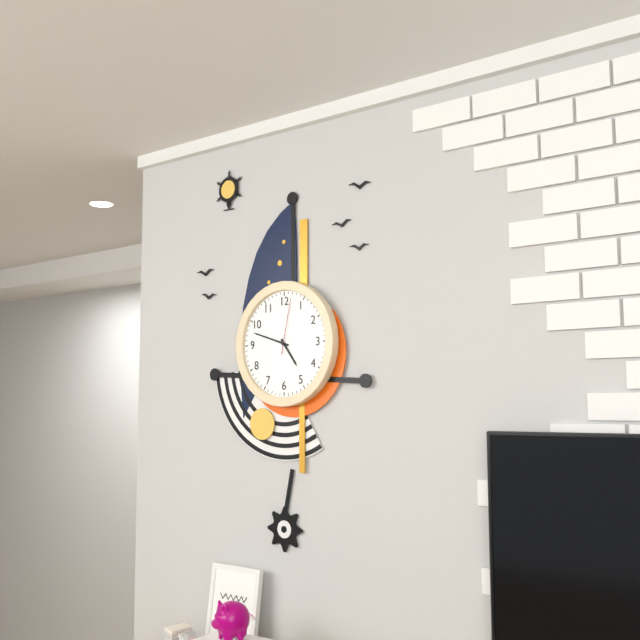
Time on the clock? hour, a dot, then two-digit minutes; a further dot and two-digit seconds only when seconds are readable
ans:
4.48.02
